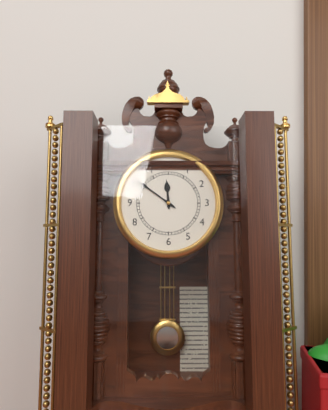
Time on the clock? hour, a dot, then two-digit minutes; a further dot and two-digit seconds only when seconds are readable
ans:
11.51
